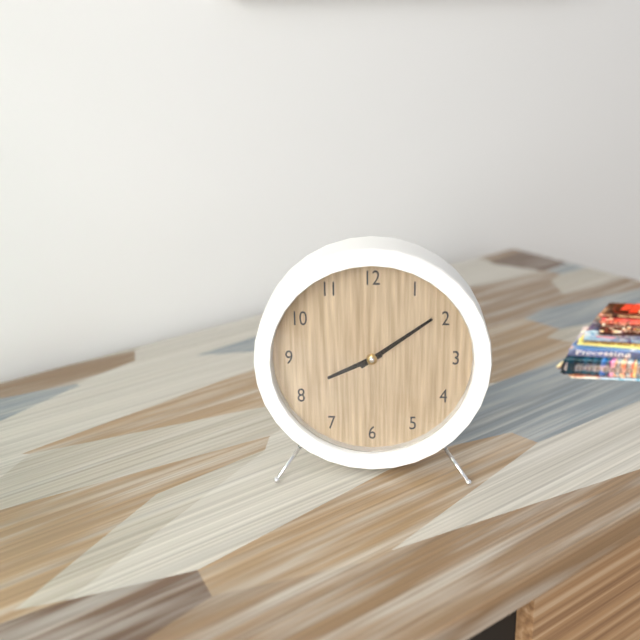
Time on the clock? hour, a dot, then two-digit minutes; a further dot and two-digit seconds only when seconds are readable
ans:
8.09
